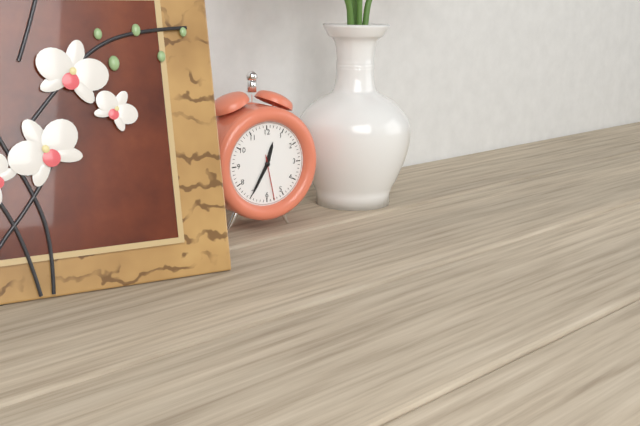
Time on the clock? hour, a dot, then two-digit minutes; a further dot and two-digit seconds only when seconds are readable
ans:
12.35
